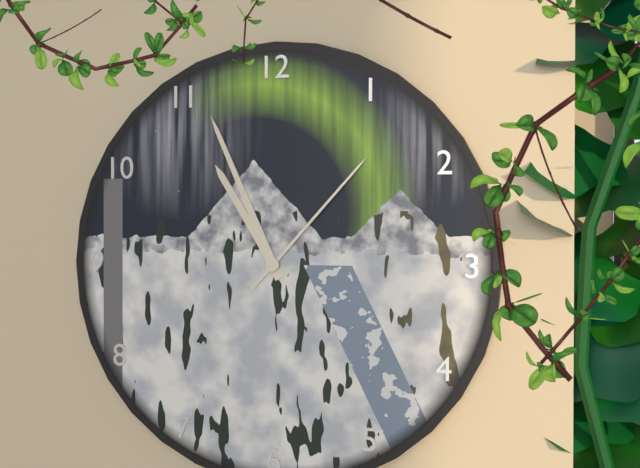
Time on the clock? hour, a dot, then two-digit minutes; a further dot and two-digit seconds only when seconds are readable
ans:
10.56.07
